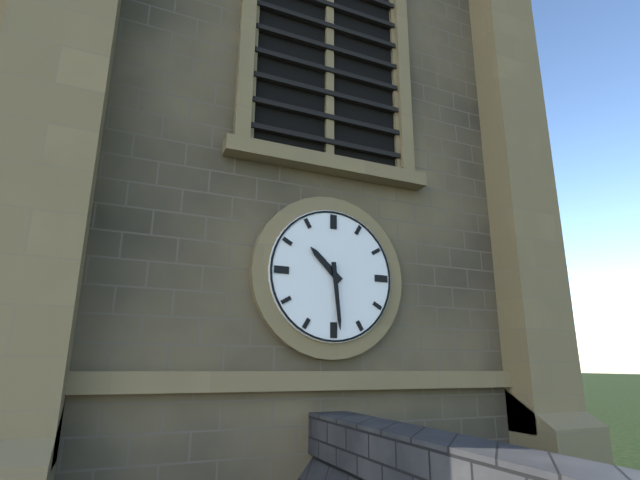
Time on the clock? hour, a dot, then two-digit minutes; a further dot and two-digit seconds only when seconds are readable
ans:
10.29
